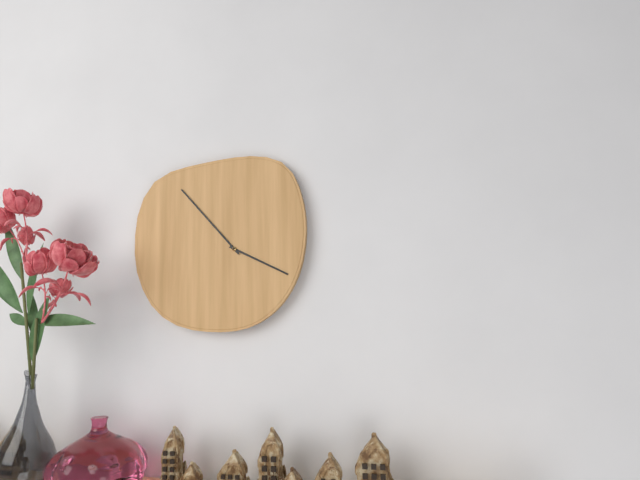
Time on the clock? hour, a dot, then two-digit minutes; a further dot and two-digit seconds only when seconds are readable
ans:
3.53
